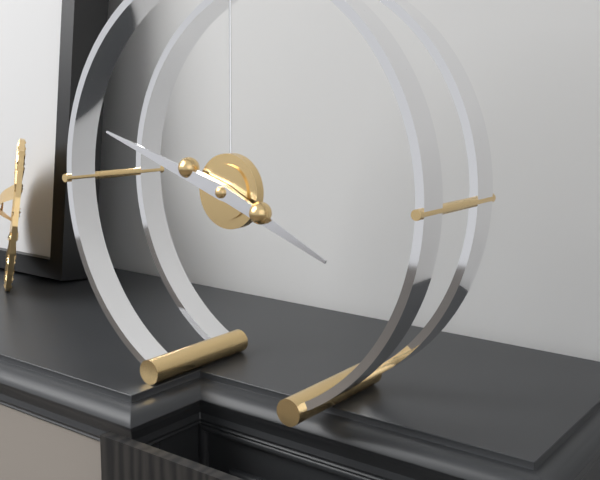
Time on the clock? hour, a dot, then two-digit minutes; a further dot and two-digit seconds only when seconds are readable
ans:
3.48
